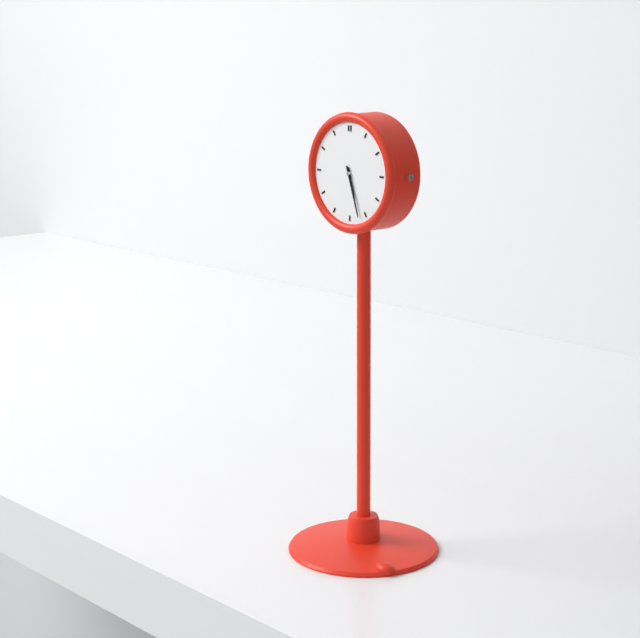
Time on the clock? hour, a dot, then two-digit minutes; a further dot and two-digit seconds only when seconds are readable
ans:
5.27
